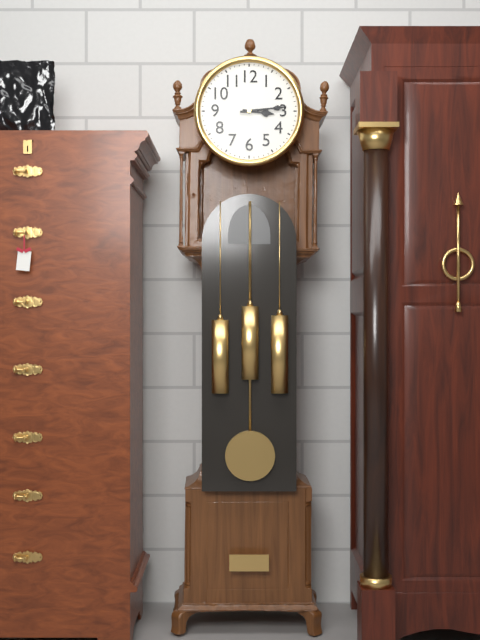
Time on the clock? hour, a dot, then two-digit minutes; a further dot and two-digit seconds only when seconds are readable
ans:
3.14
